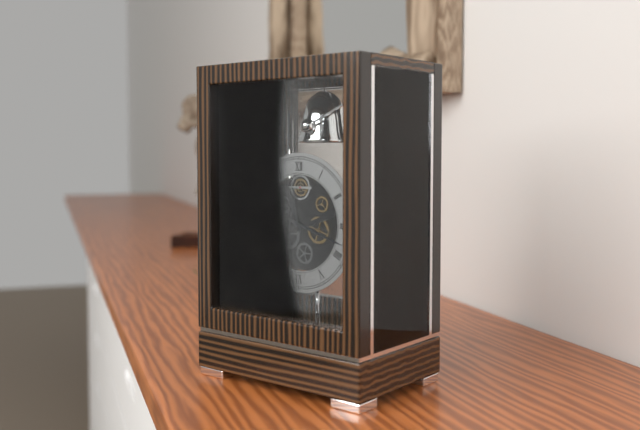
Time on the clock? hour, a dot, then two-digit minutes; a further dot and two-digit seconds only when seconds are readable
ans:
11.18
